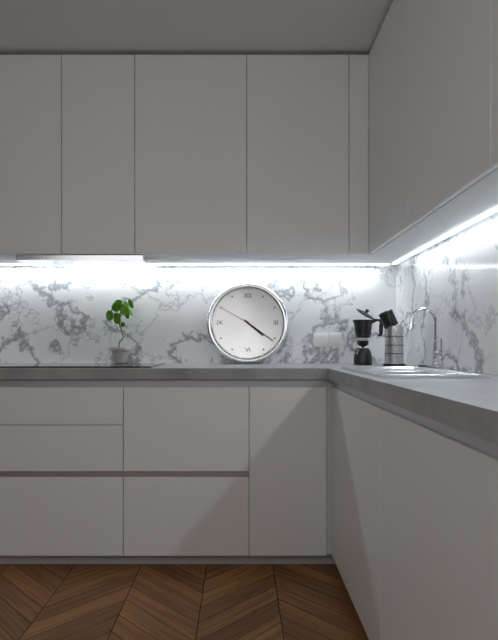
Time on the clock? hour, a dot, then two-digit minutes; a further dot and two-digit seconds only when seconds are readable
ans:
4.21
